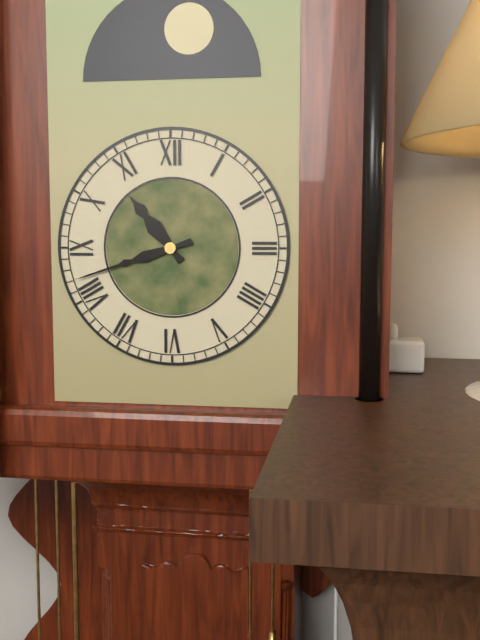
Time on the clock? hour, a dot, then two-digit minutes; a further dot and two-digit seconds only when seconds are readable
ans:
10.42
